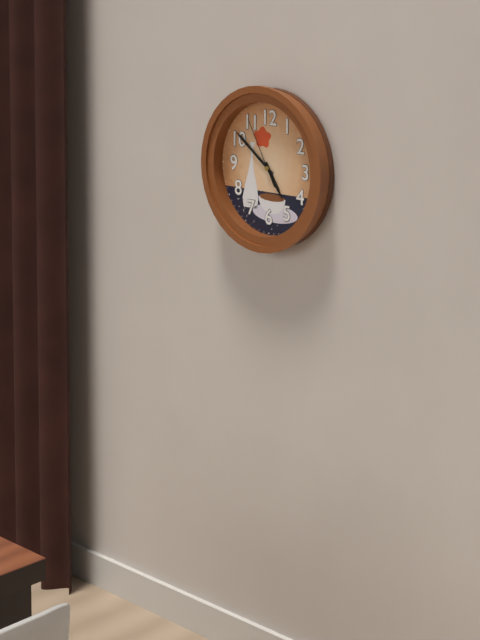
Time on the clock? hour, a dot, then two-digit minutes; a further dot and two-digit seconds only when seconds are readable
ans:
4.51.55
